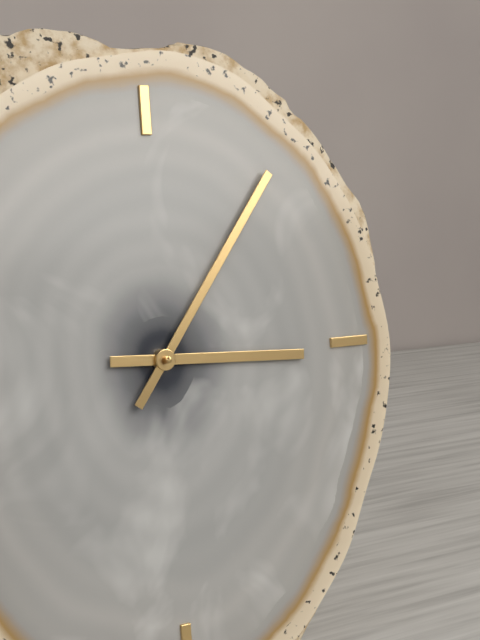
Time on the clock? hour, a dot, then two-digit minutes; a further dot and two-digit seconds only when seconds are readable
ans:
3.06
